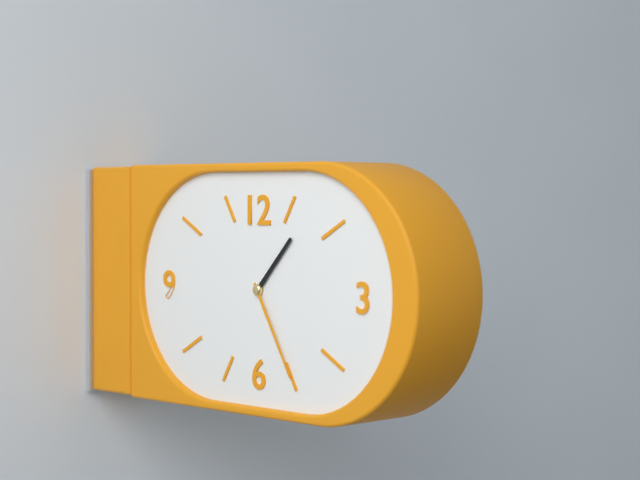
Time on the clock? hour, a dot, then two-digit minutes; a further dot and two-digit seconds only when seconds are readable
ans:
1.25
